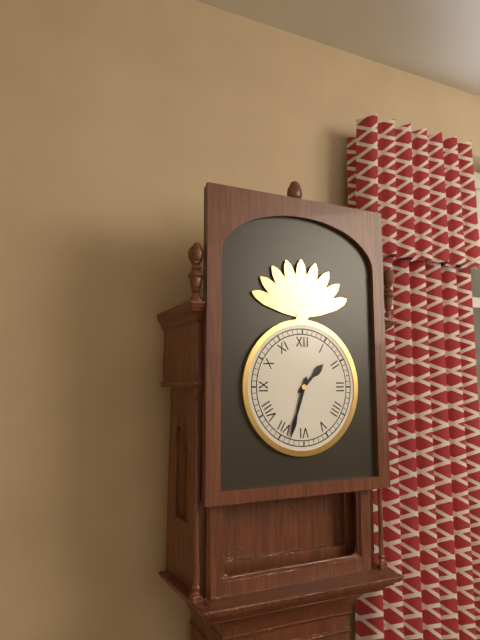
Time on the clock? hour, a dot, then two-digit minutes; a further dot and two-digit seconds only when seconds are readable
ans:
1.33
